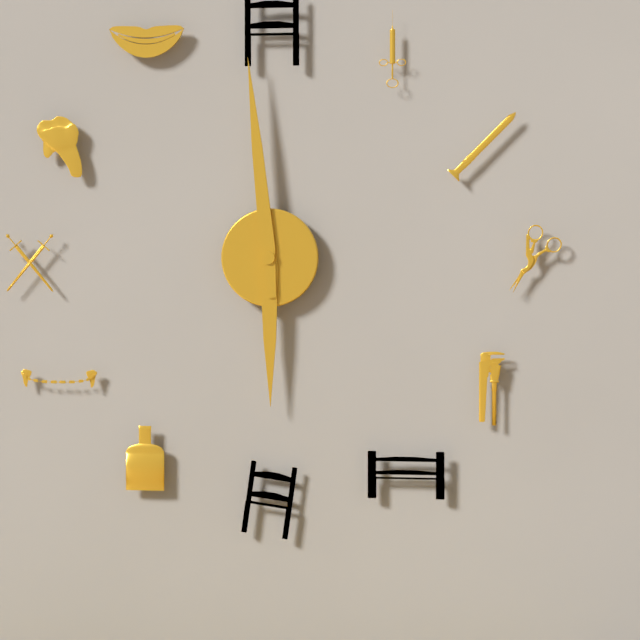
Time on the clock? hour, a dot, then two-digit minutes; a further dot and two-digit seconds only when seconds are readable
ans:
5.59
